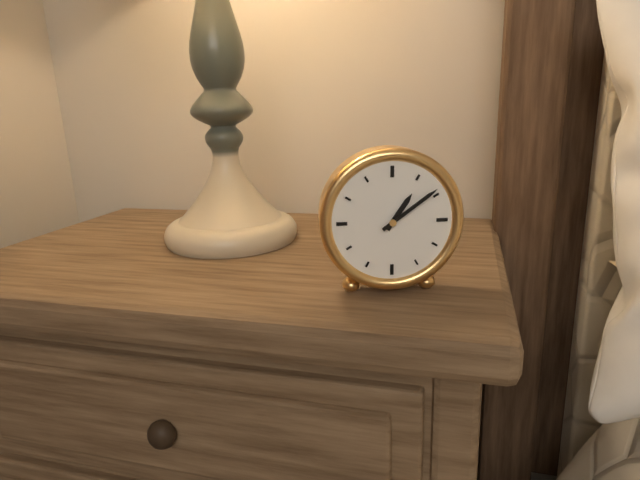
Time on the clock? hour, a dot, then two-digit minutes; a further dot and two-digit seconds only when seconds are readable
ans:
1.09
